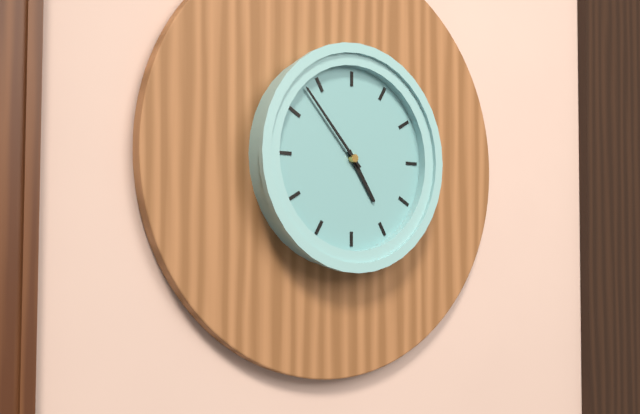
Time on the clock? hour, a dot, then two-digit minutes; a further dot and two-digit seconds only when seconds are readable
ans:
4.53
